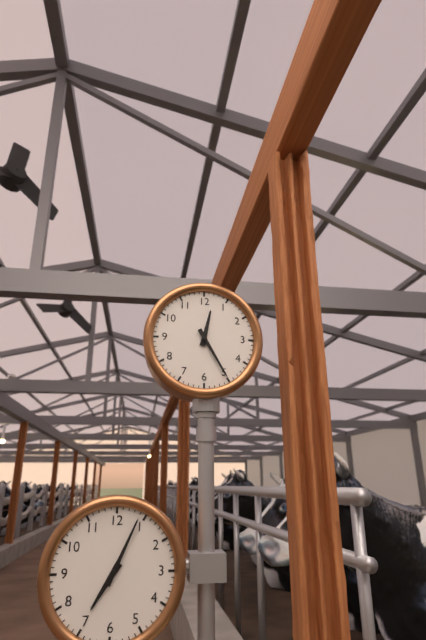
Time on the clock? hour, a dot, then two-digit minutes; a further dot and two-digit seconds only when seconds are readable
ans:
12.25
